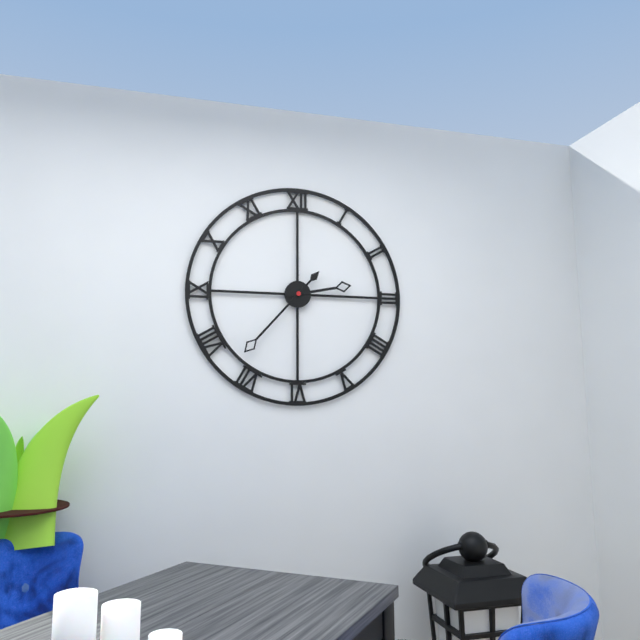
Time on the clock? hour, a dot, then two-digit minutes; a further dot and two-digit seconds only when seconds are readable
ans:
2.37
